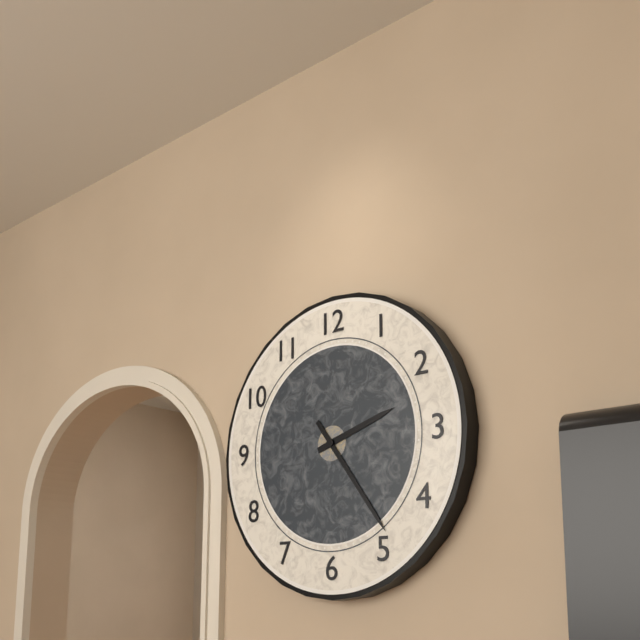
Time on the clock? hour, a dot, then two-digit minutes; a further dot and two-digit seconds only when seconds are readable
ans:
2.24
